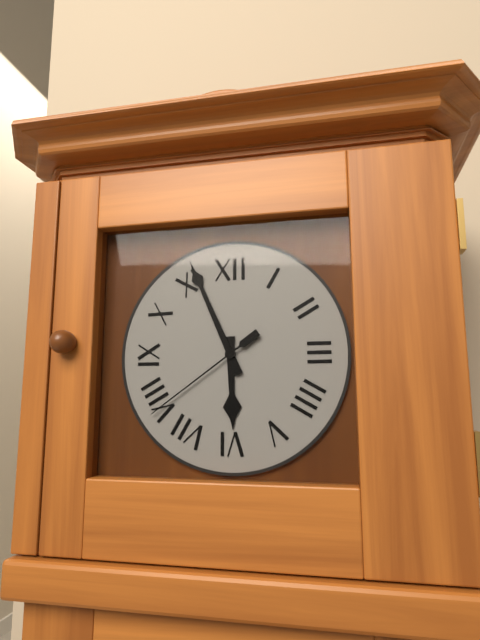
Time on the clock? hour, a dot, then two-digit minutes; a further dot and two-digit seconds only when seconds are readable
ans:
5.56.39
